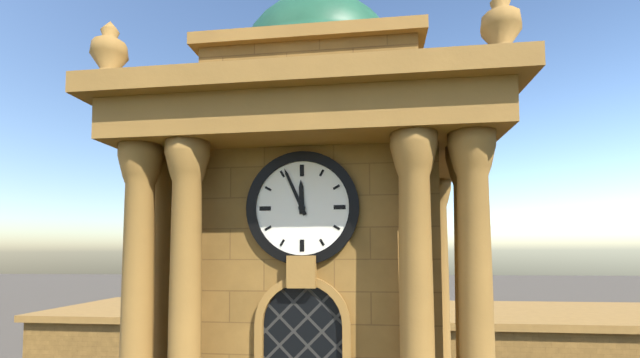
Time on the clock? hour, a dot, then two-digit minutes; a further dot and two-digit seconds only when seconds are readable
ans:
11.56
